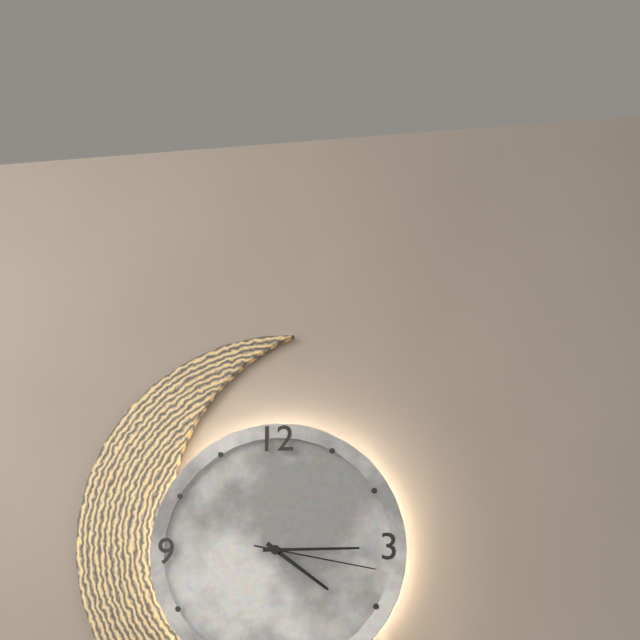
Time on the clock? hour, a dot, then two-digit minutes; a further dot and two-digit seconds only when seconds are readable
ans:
4.15.17
